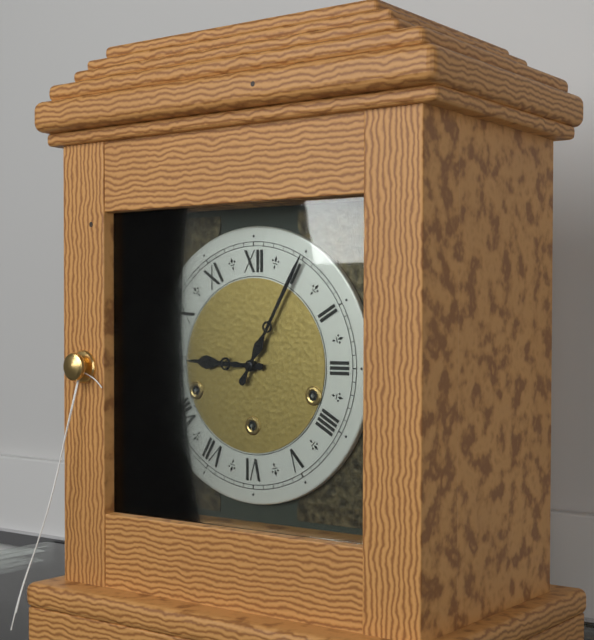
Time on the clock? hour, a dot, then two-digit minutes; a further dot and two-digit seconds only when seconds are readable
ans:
9.05
